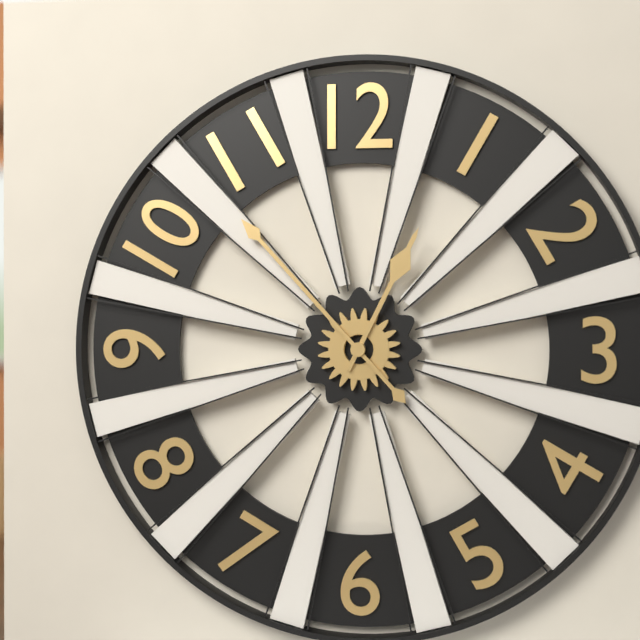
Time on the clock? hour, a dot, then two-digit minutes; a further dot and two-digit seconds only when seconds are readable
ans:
12.53
